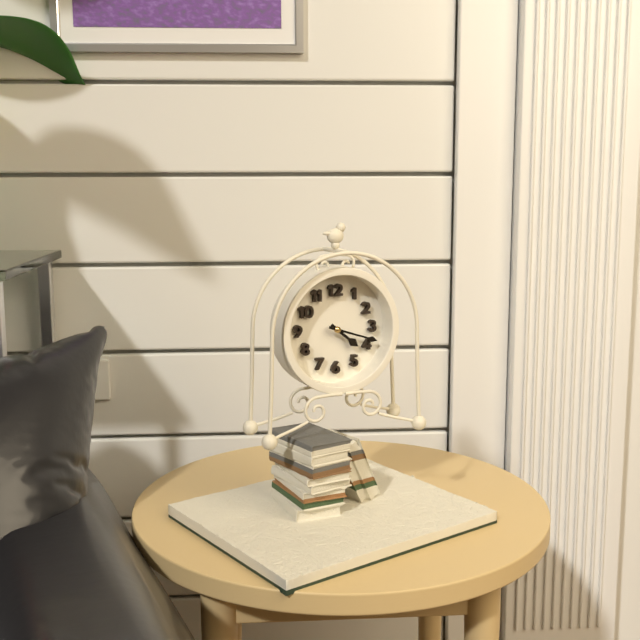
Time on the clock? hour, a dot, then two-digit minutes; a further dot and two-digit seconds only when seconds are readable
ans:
4.18
